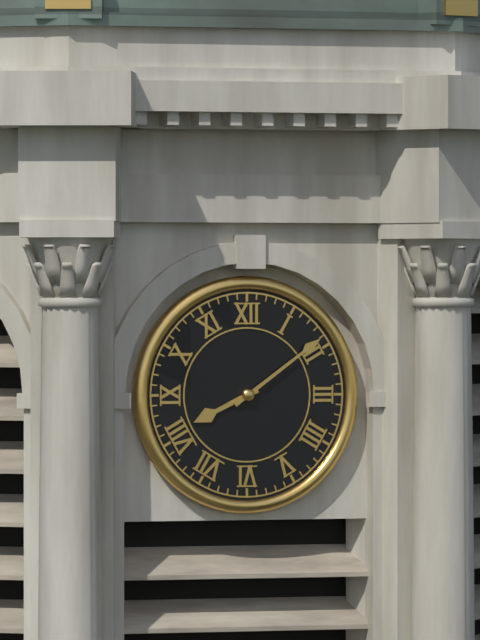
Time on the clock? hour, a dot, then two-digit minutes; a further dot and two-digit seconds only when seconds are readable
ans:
8.09
